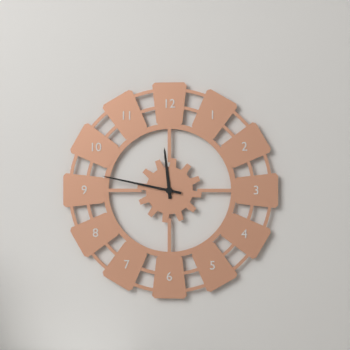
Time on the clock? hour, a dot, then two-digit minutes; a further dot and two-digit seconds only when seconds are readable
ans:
11.47
